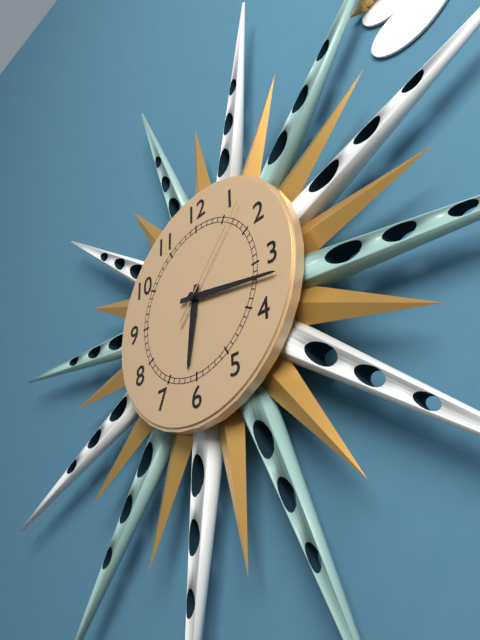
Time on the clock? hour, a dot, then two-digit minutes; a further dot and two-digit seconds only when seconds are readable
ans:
6.17.07
